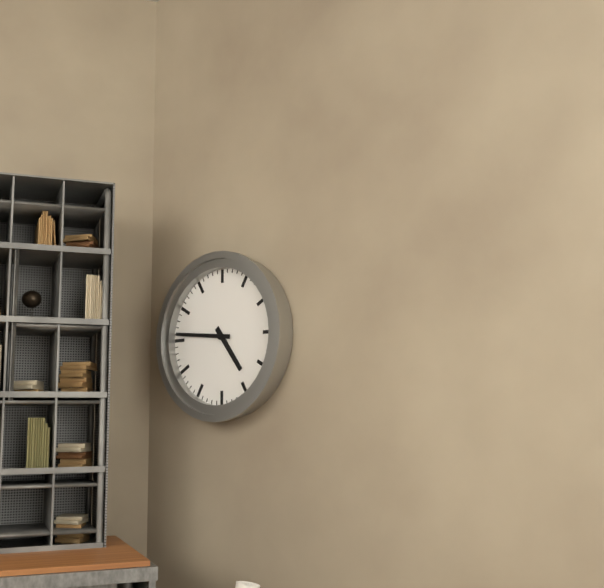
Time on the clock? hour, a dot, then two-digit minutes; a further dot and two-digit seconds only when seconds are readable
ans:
4.46
